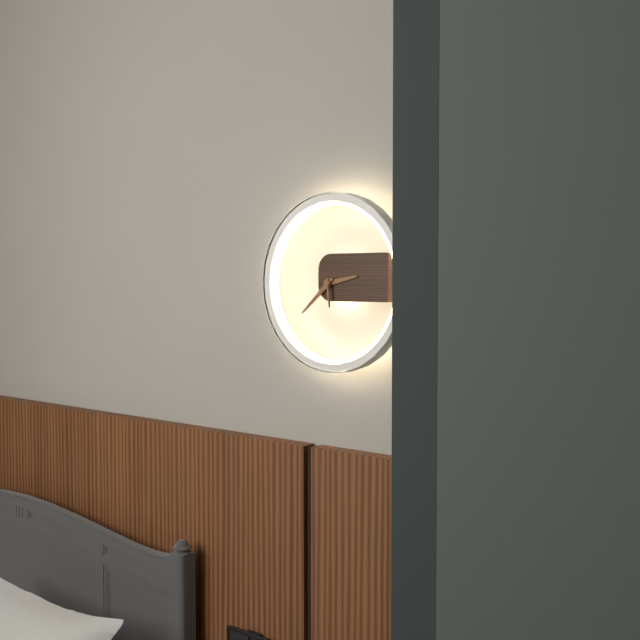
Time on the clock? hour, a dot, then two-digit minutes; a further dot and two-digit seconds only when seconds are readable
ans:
2.38
